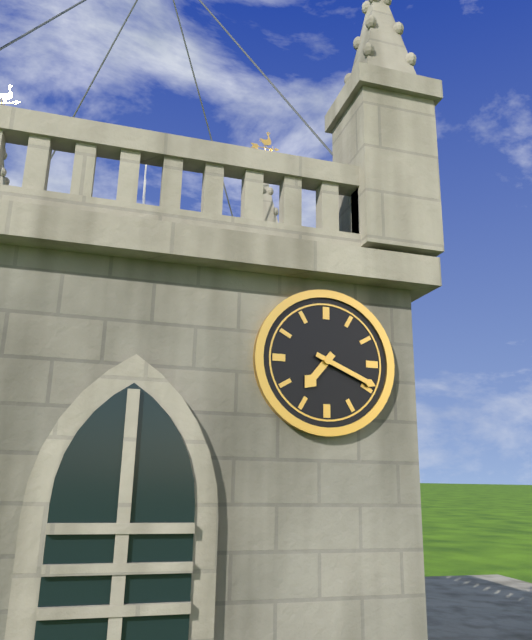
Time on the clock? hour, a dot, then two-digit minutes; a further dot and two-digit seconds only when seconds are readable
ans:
7.19
